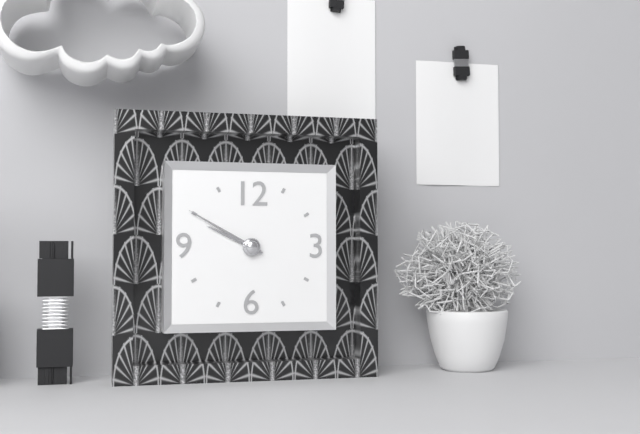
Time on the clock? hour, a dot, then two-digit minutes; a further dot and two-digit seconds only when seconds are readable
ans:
9.50
